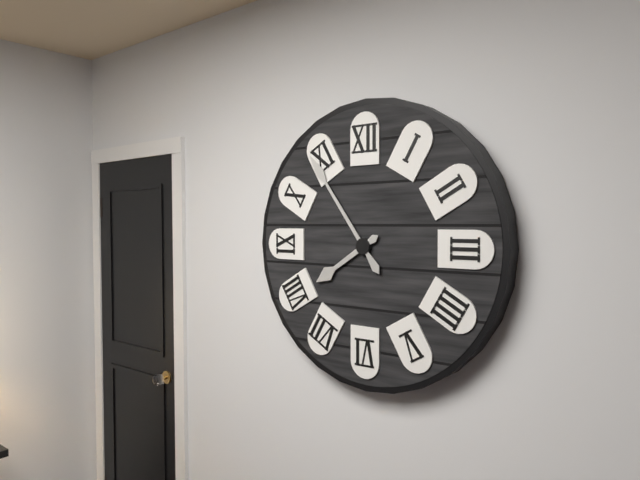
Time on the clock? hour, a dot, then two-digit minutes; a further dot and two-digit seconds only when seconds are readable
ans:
7.54
